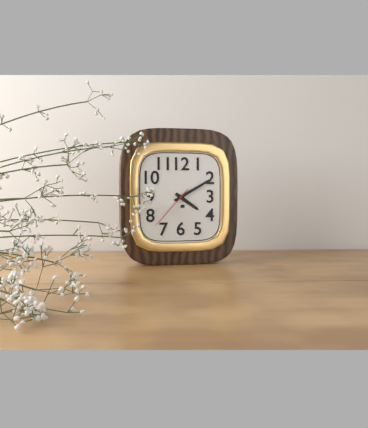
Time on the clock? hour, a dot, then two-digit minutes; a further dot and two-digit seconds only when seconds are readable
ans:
4.10
